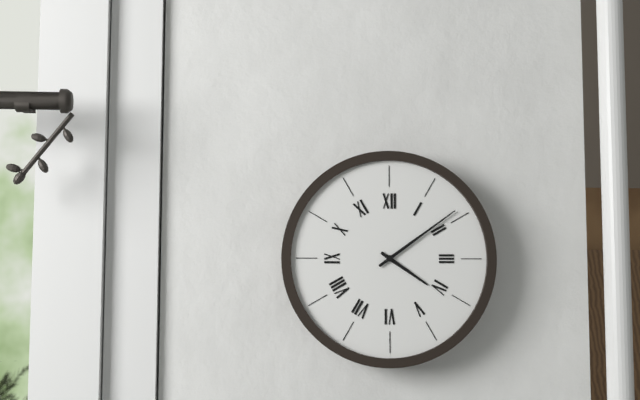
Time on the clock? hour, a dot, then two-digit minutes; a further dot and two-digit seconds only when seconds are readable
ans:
4.09
